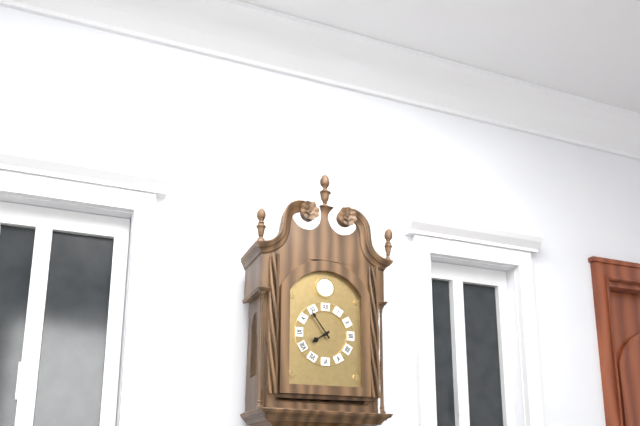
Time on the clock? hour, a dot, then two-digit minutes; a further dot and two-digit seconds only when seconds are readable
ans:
7.54
